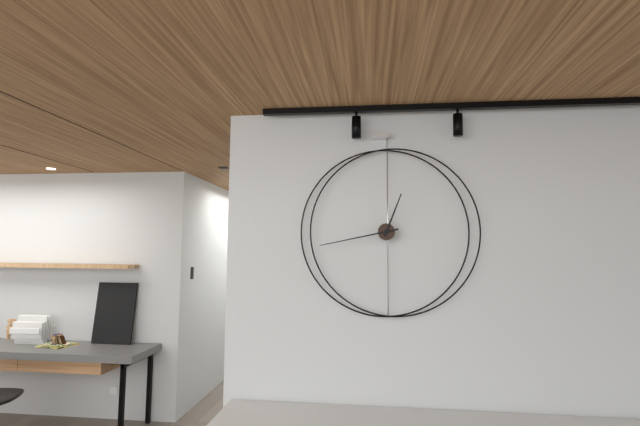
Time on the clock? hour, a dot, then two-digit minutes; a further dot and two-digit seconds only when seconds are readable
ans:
12.43
